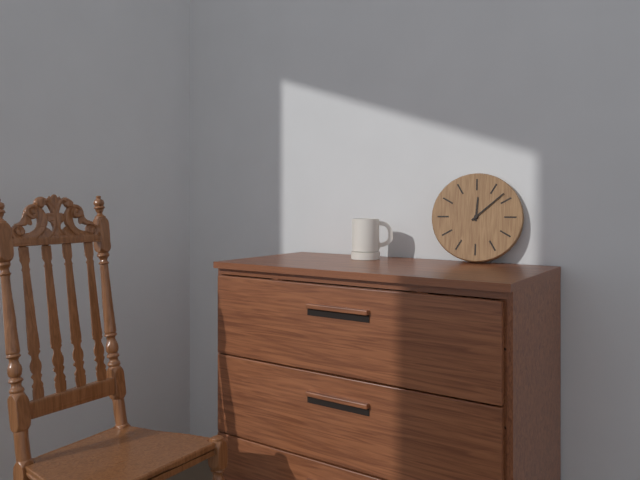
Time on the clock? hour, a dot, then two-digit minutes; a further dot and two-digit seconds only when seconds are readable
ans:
12.08
